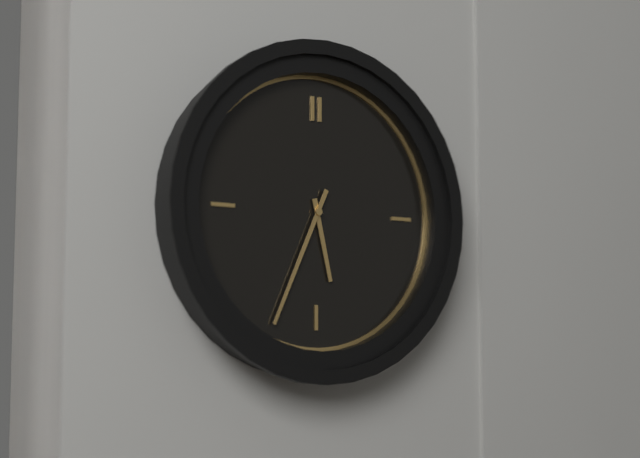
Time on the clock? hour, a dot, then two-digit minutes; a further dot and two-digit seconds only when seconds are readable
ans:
5.34
